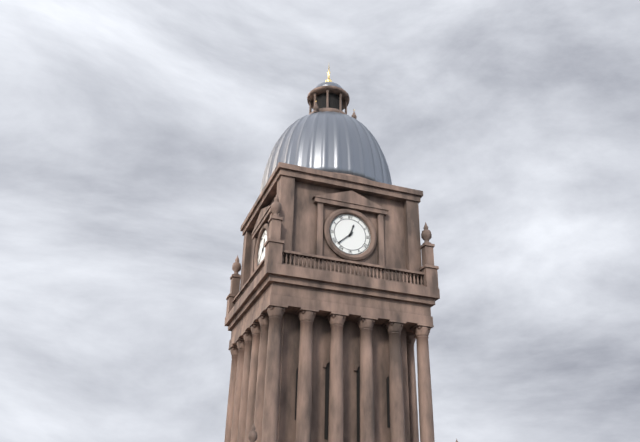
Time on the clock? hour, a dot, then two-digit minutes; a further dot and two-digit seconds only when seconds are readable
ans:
12.38
